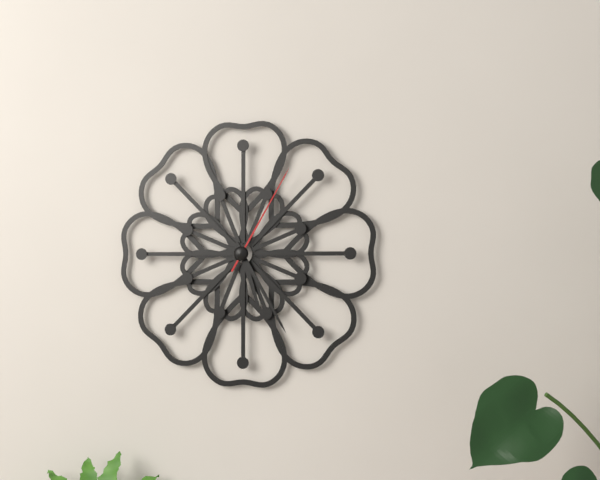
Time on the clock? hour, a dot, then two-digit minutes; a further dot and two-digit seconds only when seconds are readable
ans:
5.25.05
